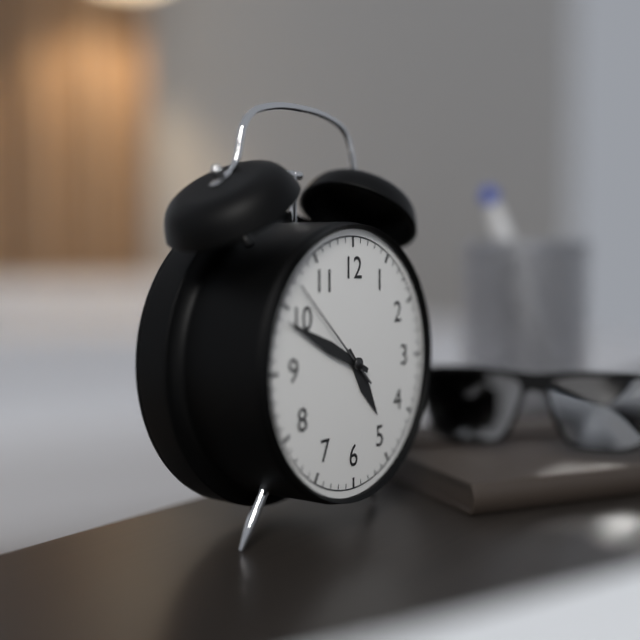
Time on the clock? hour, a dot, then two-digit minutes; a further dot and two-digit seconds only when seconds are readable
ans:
4.49.52
